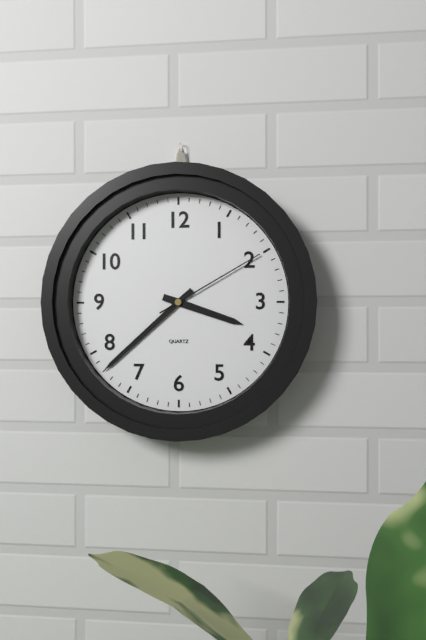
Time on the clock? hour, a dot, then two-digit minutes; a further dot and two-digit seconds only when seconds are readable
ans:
3.38.10
